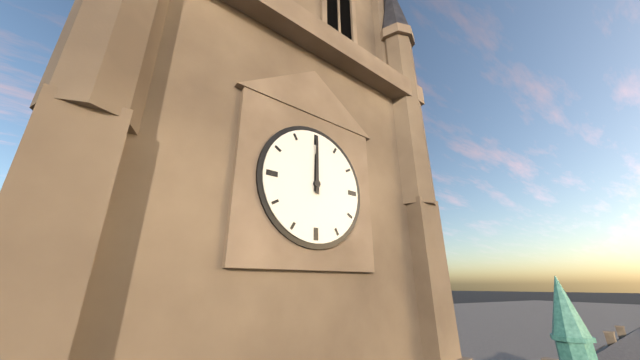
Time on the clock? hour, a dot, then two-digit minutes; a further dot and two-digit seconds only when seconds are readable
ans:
12.00
